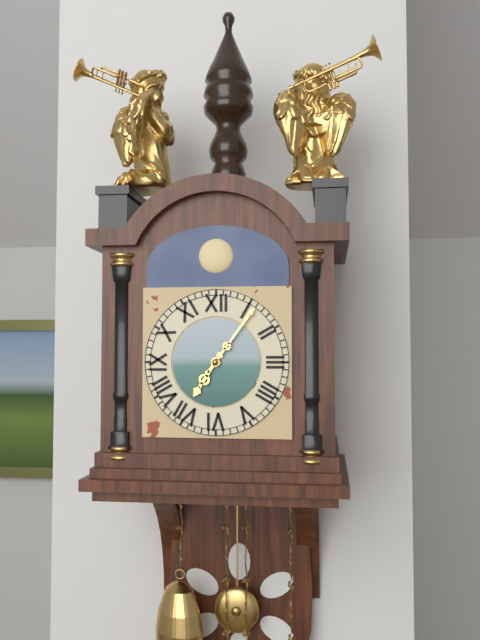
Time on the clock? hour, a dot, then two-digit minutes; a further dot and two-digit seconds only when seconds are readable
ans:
7.06
